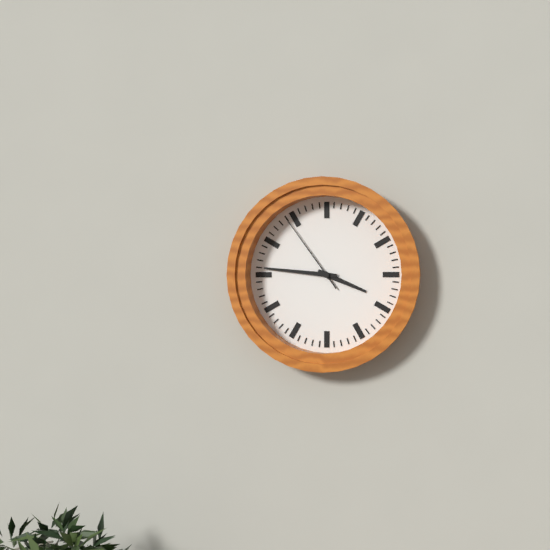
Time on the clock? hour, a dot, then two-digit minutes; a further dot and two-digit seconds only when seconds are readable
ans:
3.46.54
